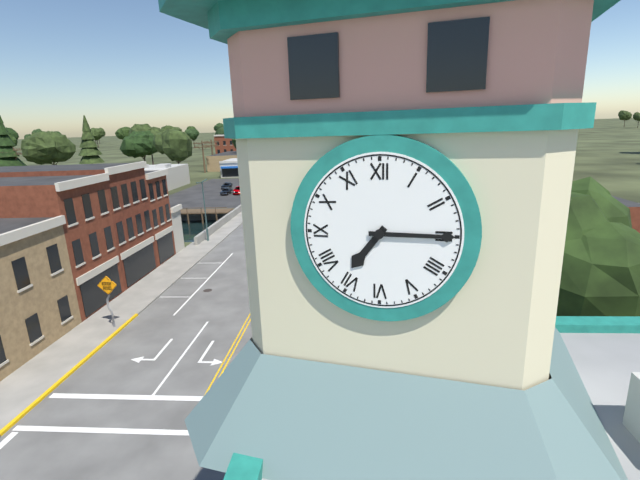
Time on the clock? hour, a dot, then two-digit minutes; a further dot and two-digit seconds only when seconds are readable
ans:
7.15
